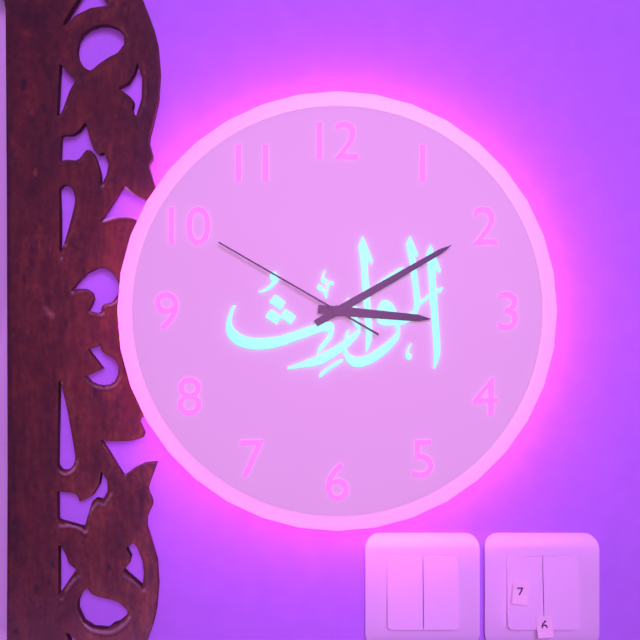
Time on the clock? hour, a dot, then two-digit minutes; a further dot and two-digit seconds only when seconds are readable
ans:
3.10.50
